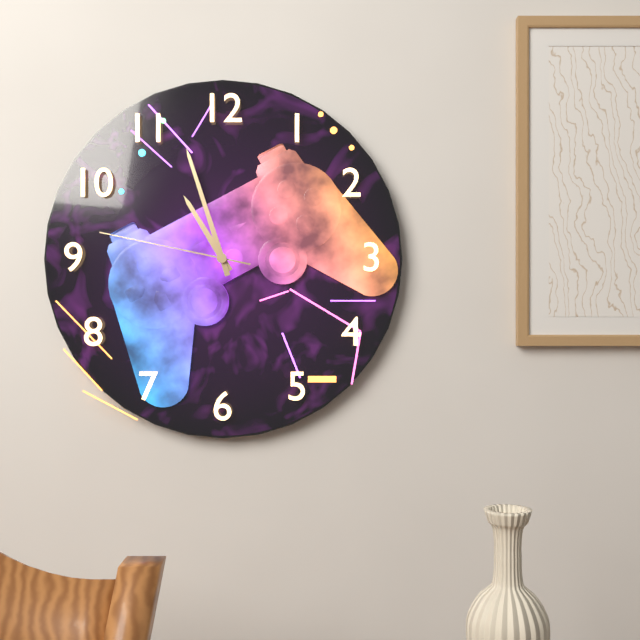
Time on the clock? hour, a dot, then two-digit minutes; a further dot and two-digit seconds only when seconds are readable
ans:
10.57.47
